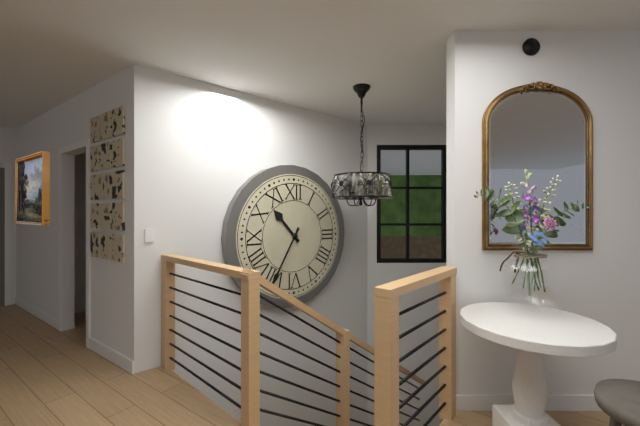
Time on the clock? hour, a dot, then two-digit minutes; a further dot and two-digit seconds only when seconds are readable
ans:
10.35
